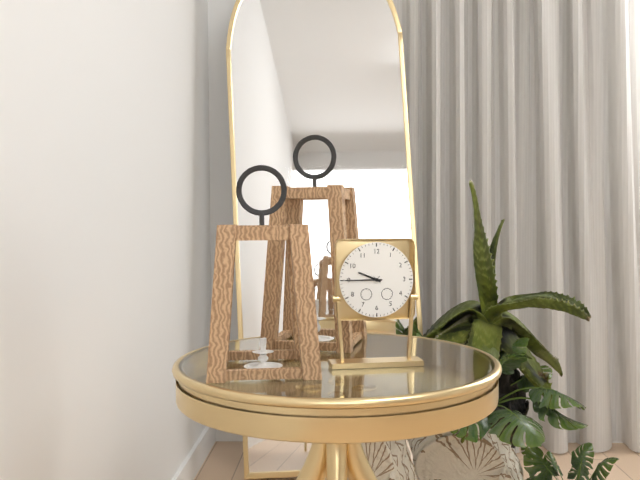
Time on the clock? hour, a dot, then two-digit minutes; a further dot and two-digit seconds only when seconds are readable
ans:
9.45
